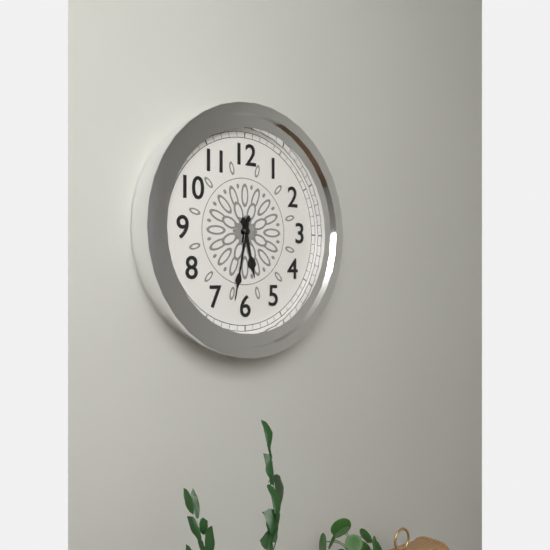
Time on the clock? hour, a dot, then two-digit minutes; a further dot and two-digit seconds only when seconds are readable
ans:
5.32
